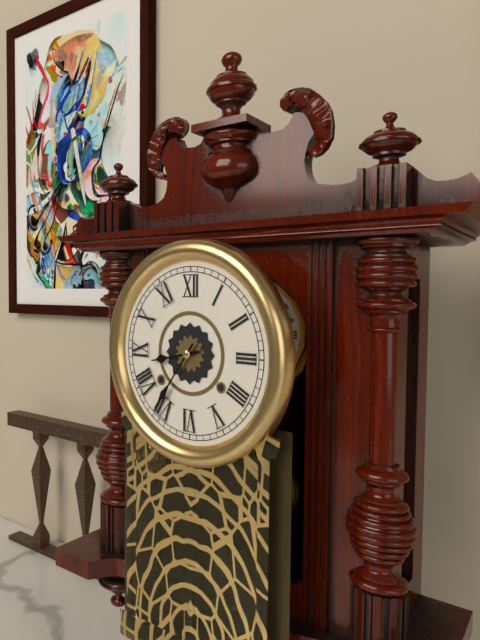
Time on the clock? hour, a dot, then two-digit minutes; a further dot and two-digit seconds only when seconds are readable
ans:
8.36
